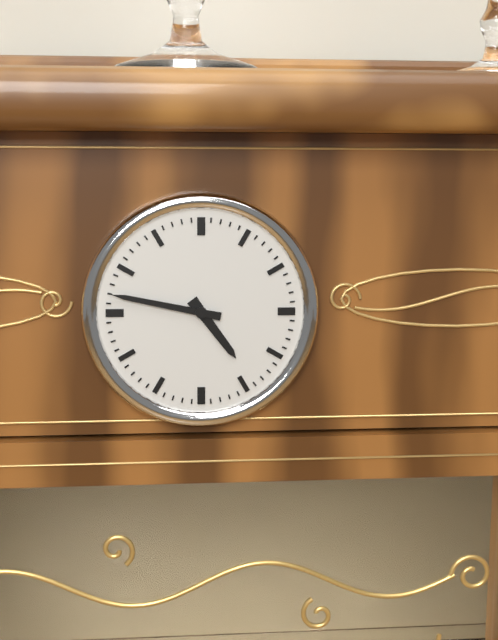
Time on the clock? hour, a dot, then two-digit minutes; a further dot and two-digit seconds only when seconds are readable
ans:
4.47
